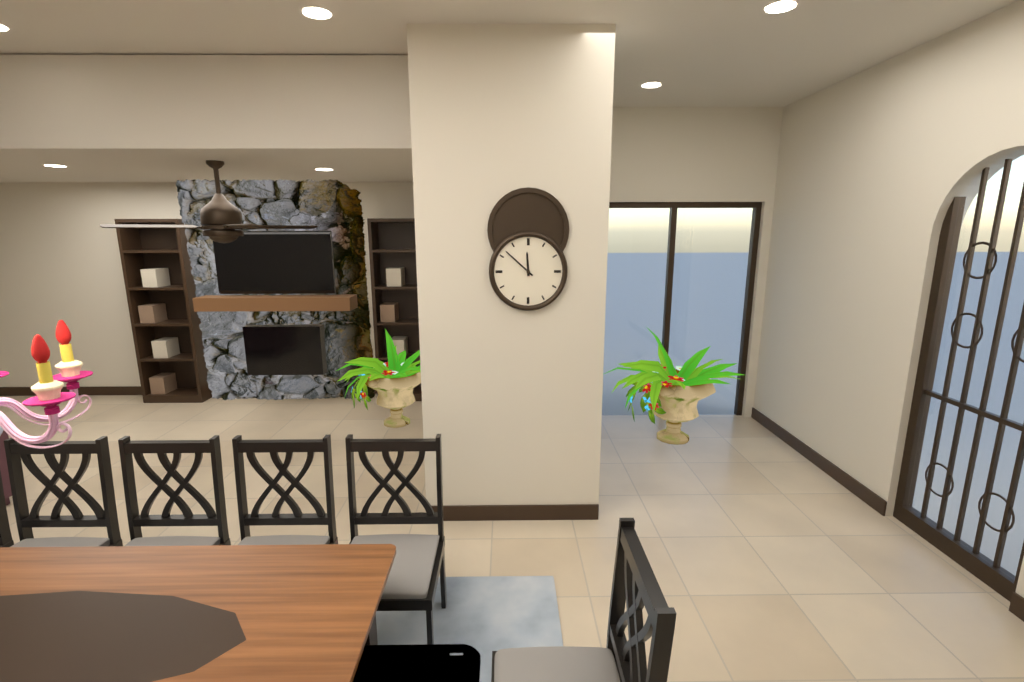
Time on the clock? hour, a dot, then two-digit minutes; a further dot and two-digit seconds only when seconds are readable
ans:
11.52
